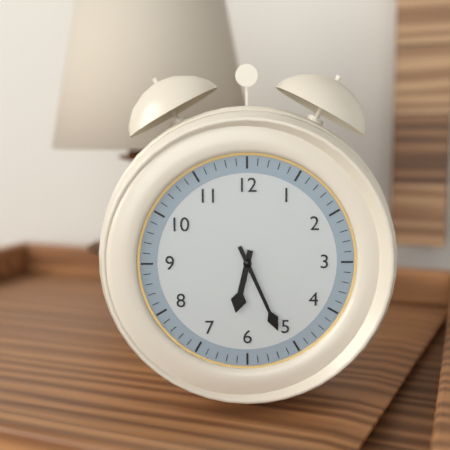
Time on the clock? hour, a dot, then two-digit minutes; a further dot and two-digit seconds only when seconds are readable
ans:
6.26
